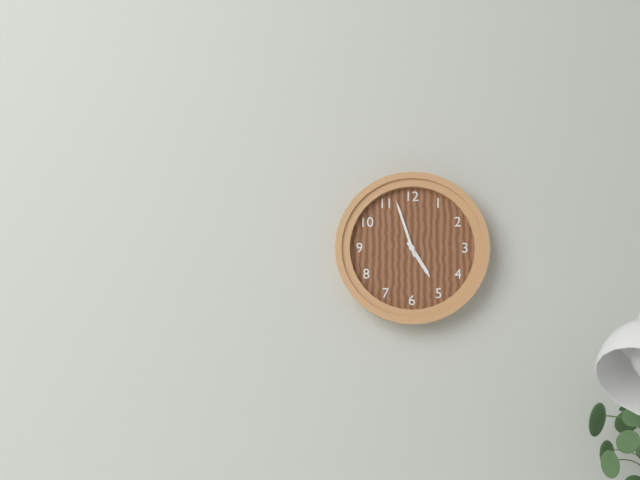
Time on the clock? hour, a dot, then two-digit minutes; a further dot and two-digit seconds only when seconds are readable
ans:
4.57
